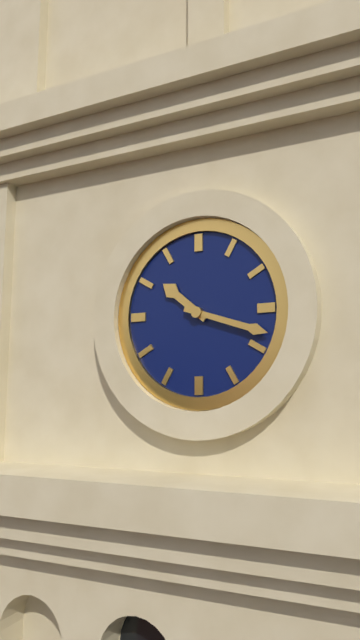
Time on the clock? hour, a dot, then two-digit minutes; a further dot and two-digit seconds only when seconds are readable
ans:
10.18
